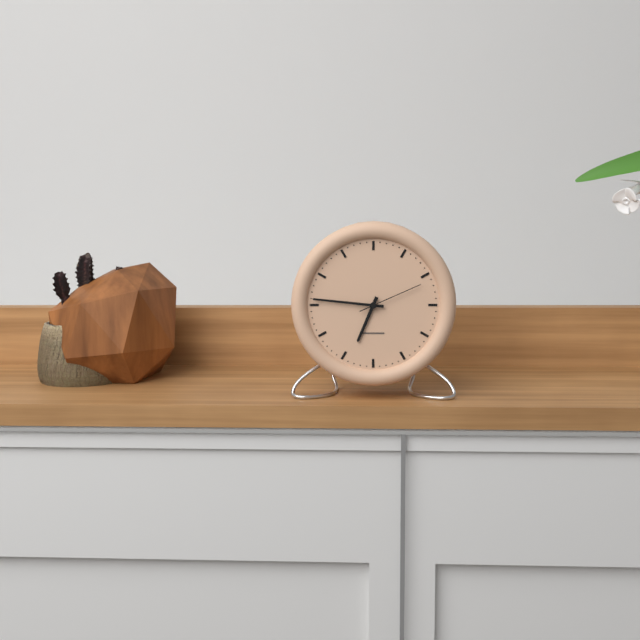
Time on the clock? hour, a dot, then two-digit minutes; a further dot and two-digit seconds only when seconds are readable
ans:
6.46.11
